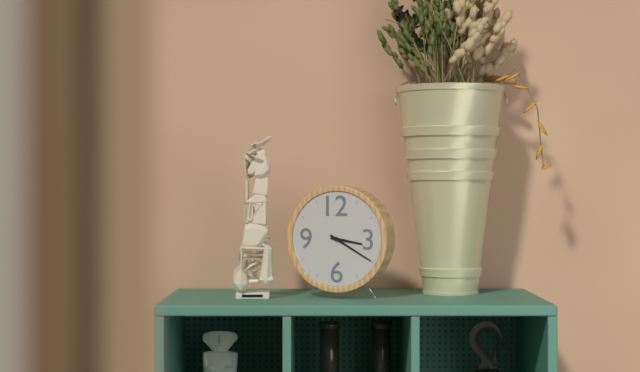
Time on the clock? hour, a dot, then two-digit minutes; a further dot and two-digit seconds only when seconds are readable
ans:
3.20
